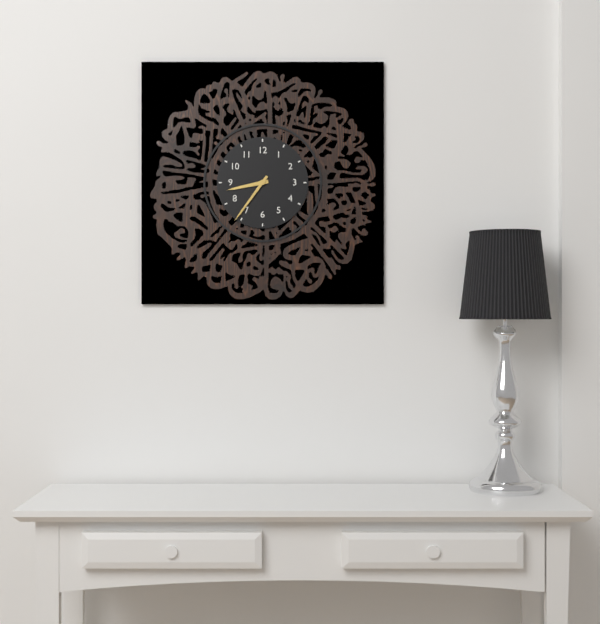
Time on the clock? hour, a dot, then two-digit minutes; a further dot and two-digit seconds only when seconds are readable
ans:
8.36
